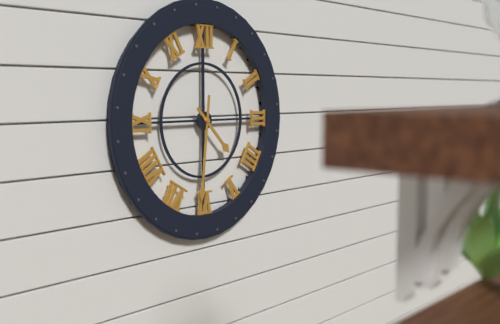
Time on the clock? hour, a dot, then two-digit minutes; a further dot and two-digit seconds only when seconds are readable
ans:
4.31
